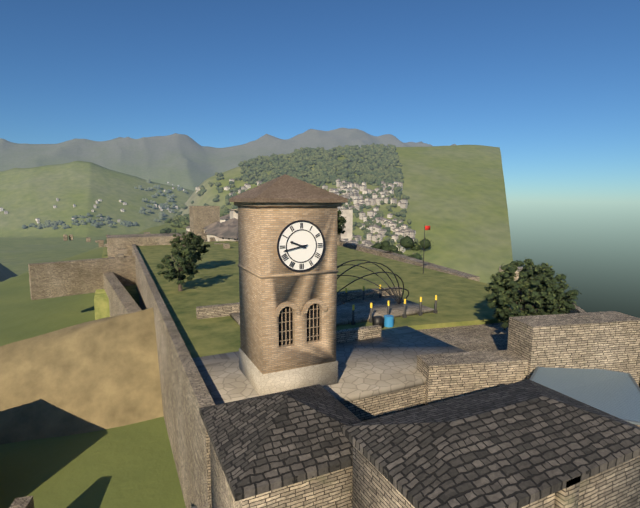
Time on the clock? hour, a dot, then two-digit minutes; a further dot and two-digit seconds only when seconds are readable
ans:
9.43
